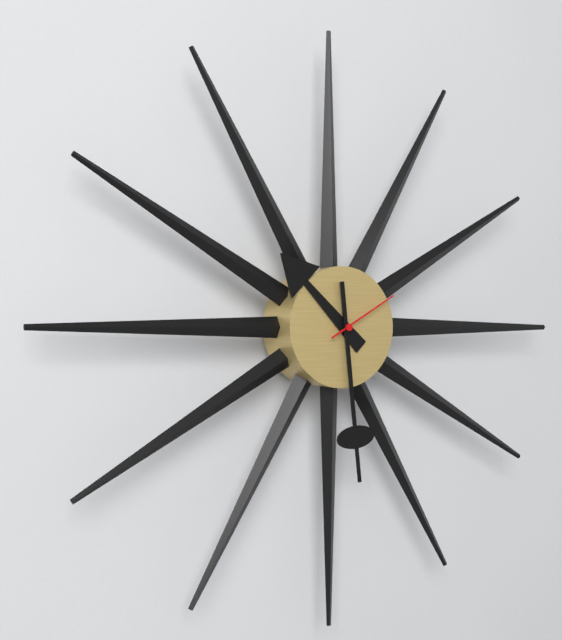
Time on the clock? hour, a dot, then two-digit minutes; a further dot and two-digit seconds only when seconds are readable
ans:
10.29.10
